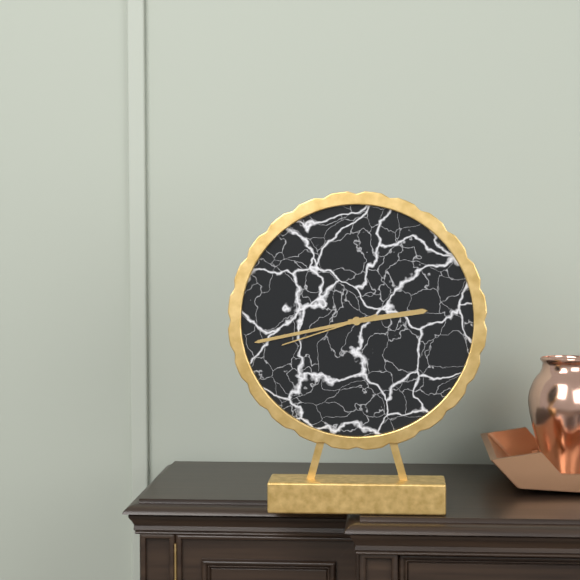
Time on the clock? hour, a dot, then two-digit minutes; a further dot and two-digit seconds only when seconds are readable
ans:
2.43.42
